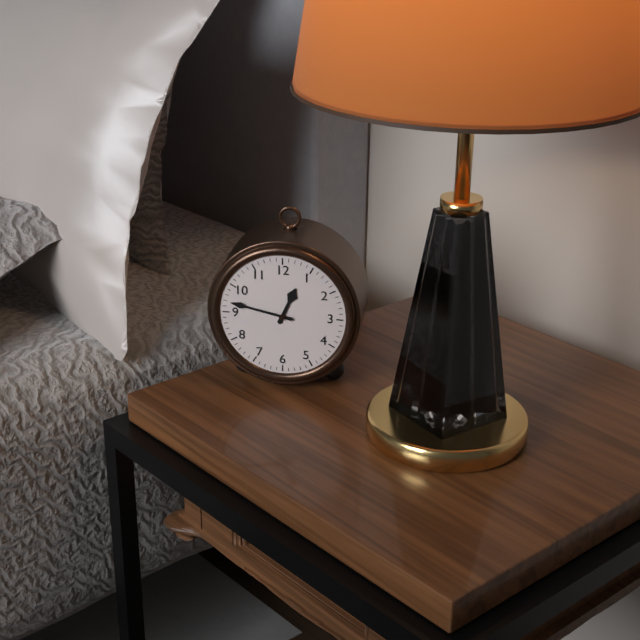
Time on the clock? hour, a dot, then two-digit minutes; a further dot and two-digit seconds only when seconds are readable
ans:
12.47
